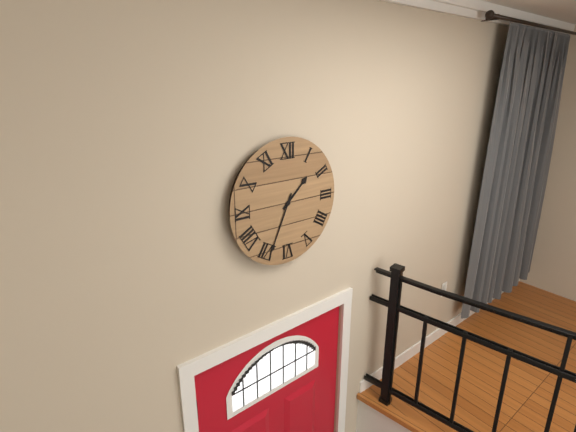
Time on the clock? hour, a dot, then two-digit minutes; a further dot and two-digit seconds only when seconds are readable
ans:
1.34
